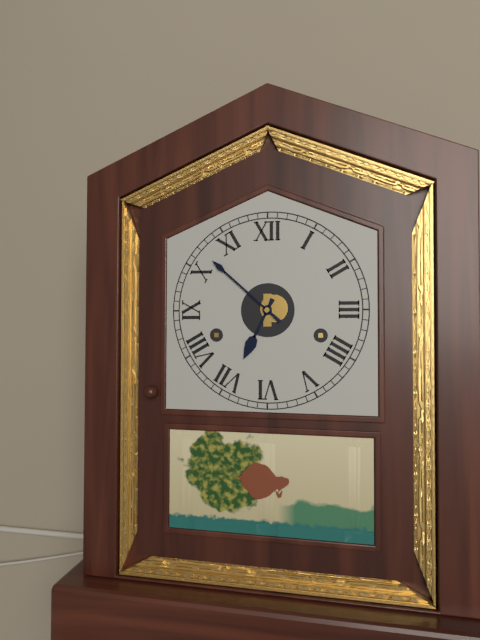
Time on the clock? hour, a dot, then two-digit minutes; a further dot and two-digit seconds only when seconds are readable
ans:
6.52
